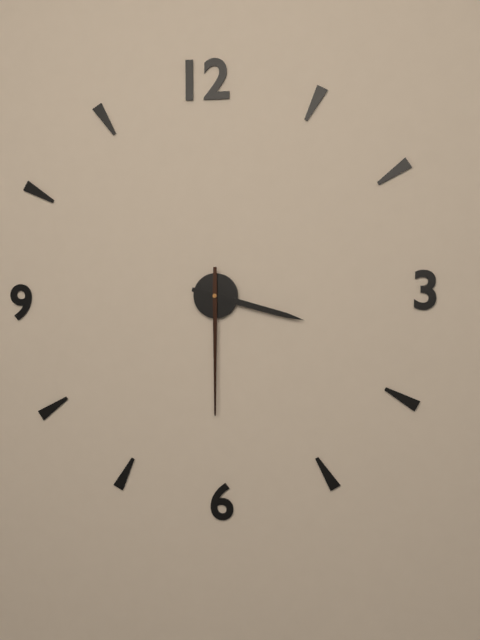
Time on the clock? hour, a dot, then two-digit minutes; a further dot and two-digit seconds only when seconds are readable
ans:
3.30
